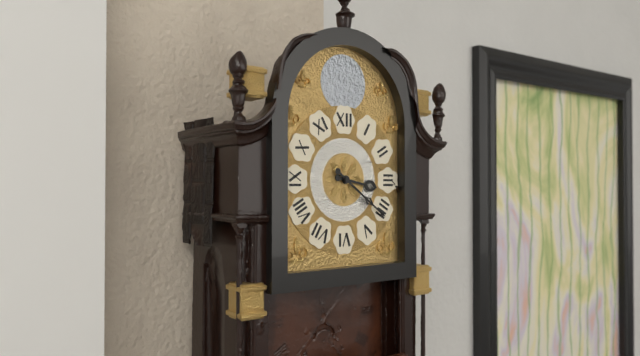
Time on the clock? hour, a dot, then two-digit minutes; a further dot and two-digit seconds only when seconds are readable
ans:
3.21
